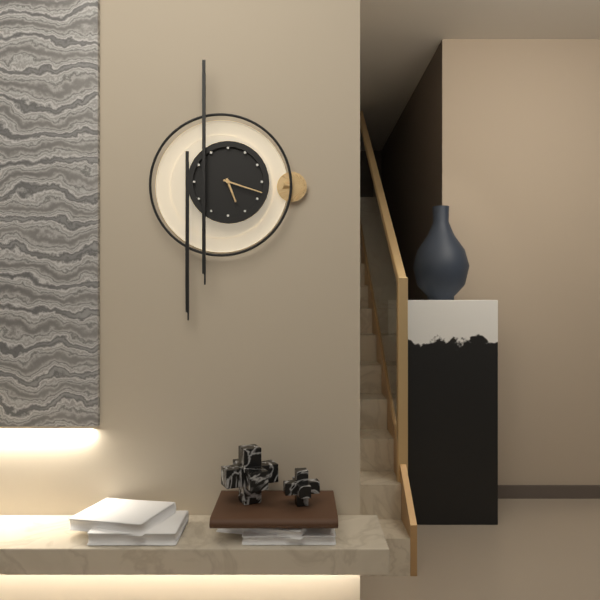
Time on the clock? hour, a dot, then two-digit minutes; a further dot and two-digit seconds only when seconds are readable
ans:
5.18
